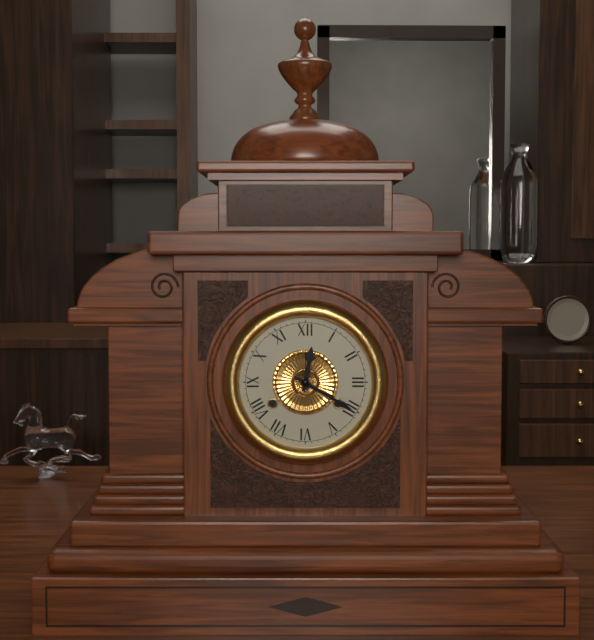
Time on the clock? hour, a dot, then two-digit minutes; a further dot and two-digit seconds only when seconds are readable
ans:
12.20
